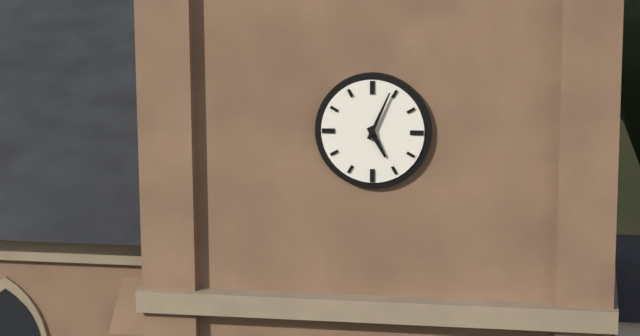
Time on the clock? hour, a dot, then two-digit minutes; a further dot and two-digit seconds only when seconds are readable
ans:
5.04
